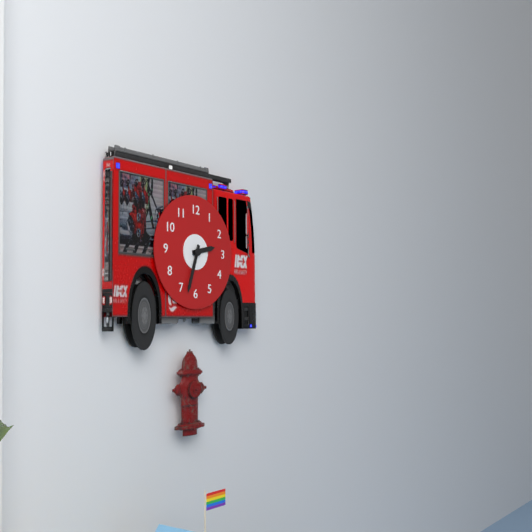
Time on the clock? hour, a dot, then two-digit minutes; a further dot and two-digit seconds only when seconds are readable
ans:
2.33
